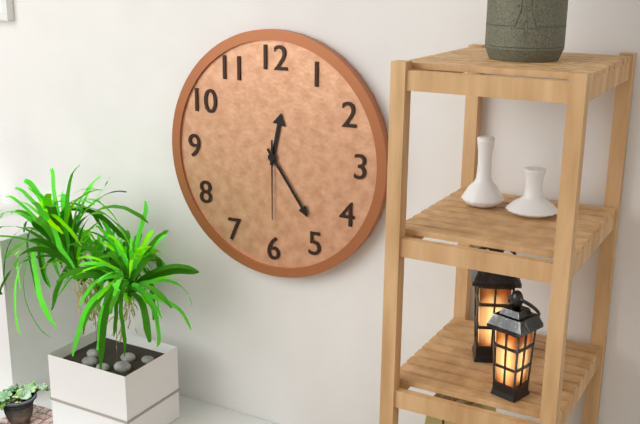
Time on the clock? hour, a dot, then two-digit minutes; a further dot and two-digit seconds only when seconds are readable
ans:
12.24.30
